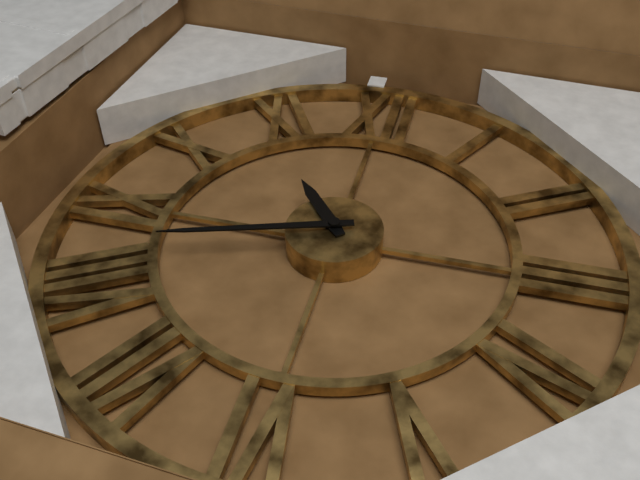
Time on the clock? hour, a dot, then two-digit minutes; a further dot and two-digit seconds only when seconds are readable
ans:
10.42
